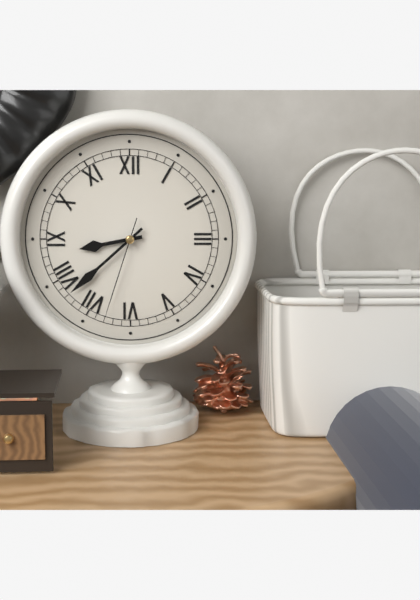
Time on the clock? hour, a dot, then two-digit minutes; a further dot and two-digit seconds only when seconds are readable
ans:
8.38.33
